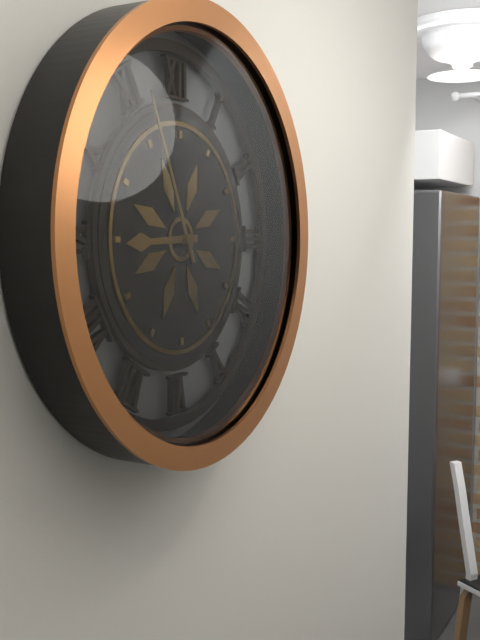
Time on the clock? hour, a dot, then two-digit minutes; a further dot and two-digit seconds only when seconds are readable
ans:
8.56
